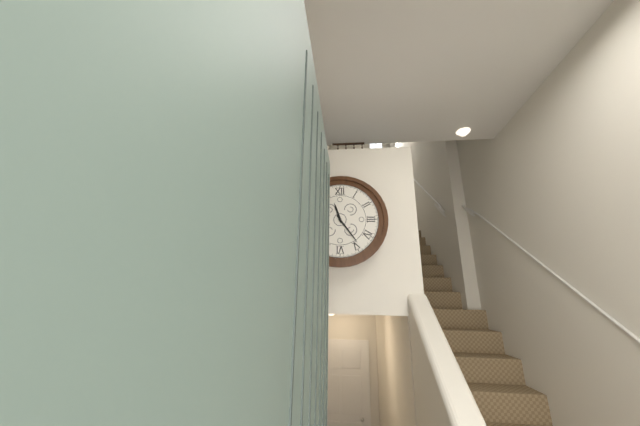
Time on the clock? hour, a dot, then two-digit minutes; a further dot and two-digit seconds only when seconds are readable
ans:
11.24
